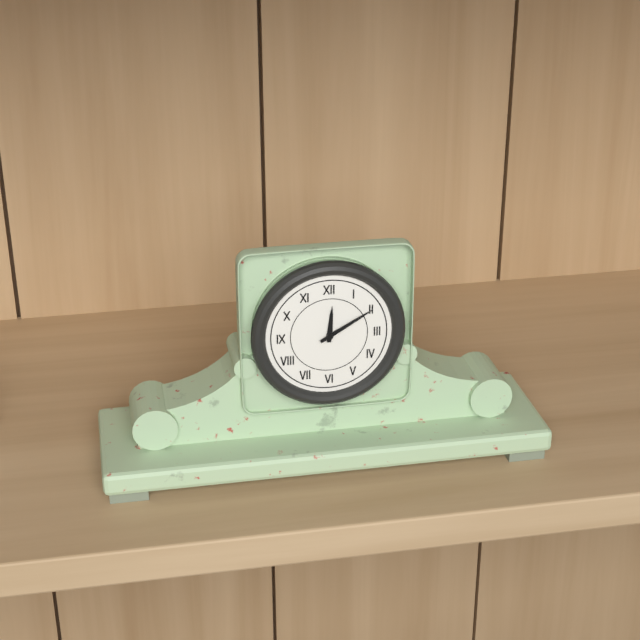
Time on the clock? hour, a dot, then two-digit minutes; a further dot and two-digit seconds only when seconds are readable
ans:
12.10
